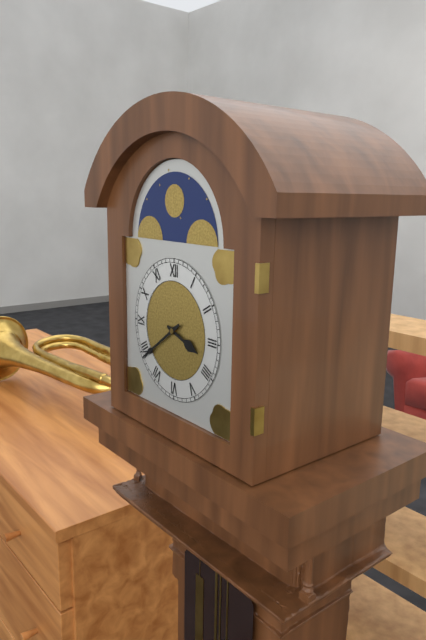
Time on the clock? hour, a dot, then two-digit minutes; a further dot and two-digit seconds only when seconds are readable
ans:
3.39
